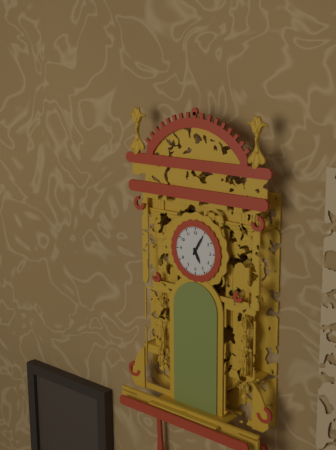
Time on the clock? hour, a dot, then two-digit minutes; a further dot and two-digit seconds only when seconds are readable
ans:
5.05
